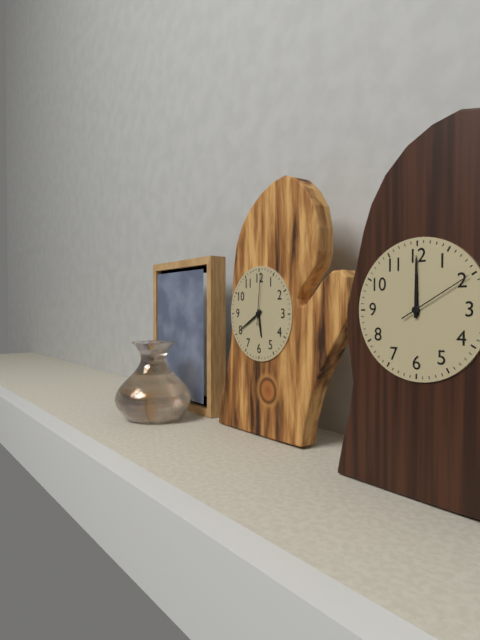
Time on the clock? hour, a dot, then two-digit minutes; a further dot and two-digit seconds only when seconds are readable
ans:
5.40.01
